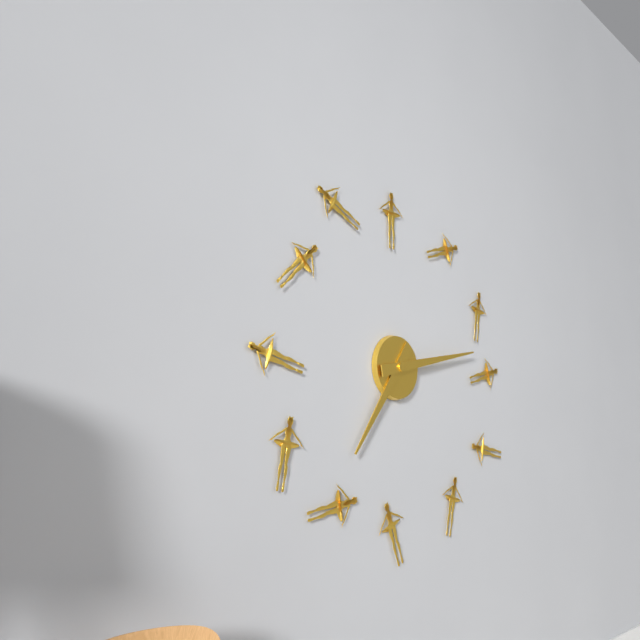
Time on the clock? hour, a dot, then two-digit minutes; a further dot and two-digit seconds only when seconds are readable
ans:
7.13
